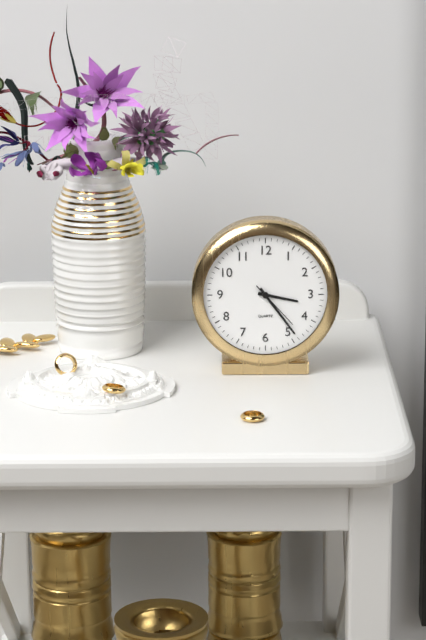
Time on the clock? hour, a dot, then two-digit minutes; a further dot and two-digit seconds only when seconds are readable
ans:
3.24.23
